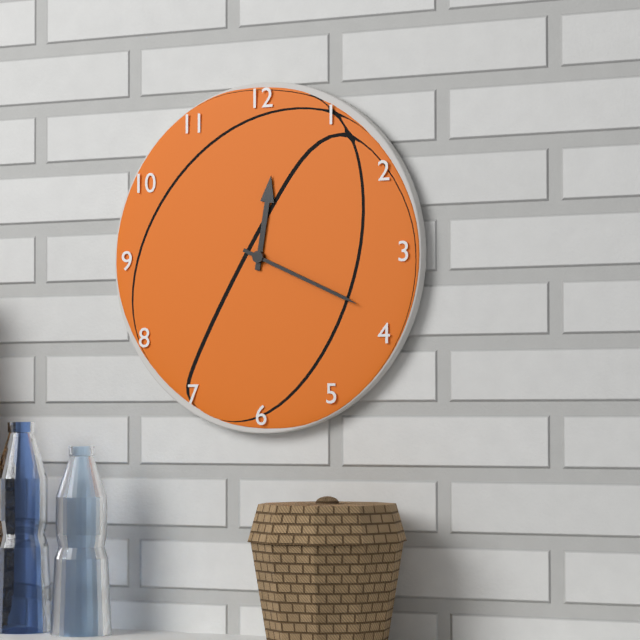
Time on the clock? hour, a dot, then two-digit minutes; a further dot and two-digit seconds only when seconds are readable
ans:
12.19
